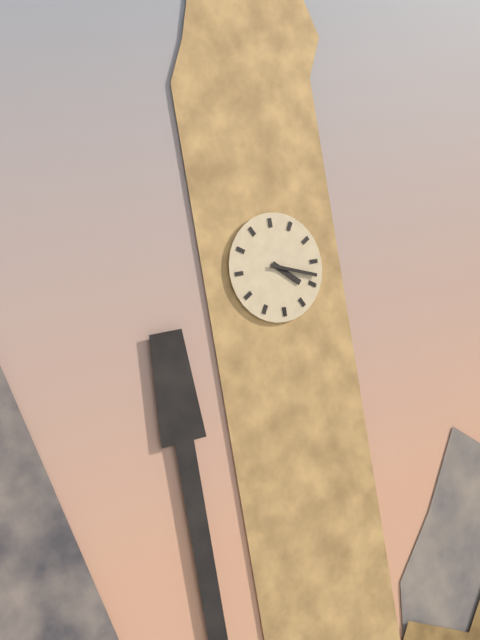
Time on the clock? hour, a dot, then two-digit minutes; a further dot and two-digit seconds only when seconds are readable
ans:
4.18
